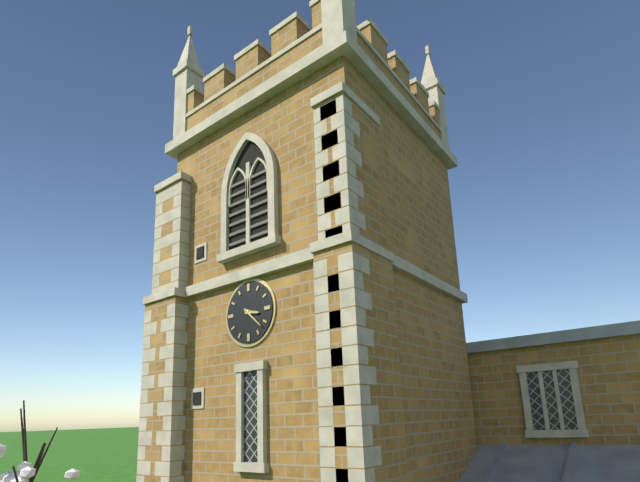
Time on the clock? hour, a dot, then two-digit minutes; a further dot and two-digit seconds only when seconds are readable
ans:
3.22
